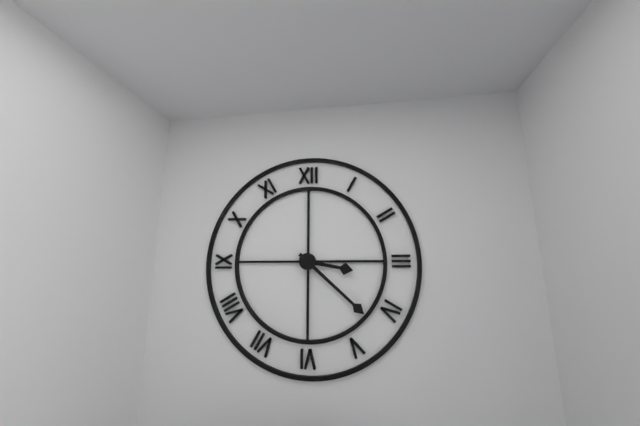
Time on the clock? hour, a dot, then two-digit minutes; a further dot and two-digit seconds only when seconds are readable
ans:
3.22
